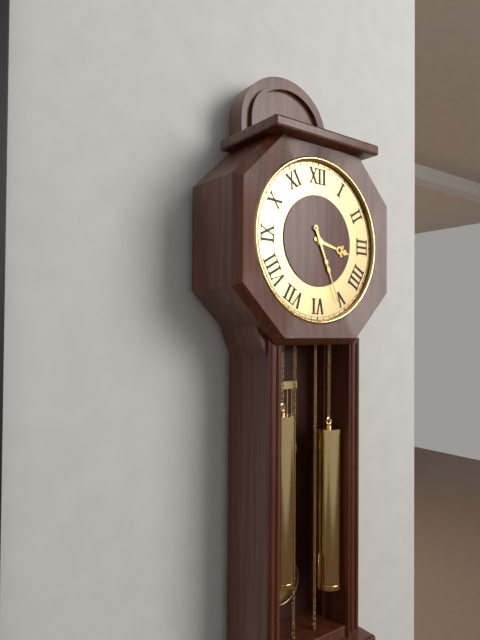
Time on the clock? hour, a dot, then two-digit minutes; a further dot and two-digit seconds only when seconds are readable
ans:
3.26
